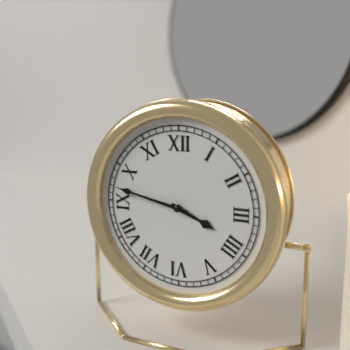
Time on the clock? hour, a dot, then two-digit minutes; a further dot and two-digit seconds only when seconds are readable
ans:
3.47
